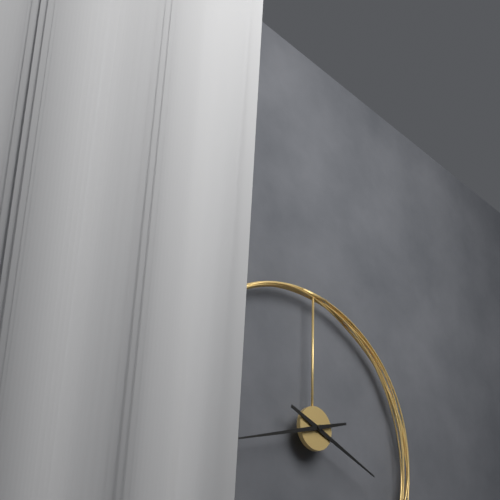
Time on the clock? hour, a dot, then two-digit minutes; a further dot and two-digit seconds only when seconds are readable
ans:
3.42
